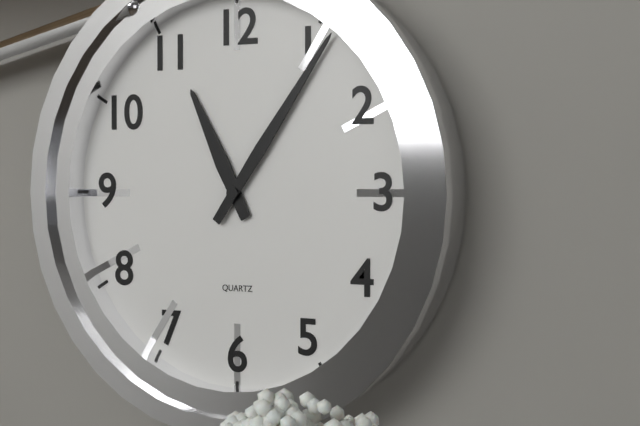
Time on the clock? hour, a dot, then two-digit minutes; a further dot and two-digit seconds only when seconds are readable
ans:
11.06
